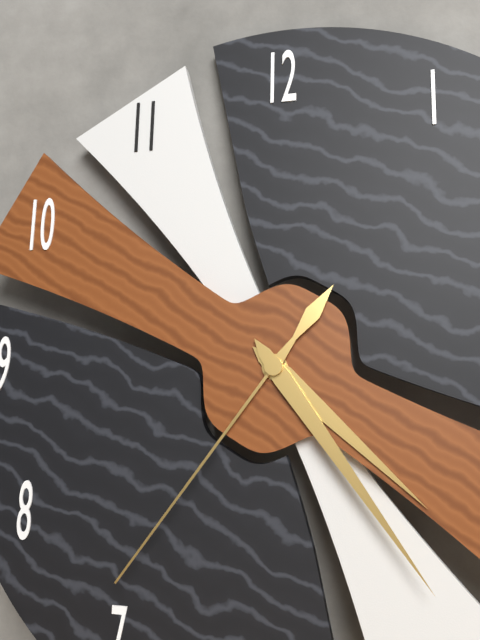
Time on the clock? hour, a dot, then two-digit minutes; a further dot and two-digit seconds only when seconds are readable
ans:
4.24.36
